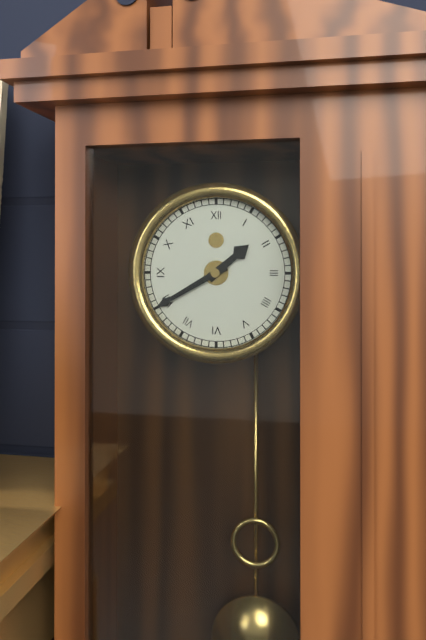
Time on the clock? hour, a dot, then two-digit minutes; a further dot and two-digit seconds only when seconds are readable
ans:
1.40
